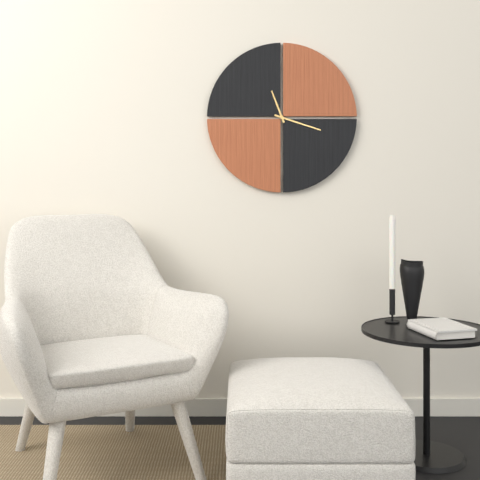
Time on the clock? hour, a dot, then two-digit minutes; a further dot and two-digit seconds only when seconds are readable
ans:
11.18
